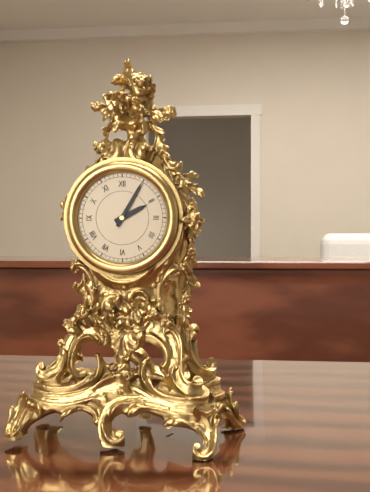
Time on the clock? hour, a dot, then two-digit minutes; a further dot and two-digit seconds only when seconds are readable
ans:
2.05
